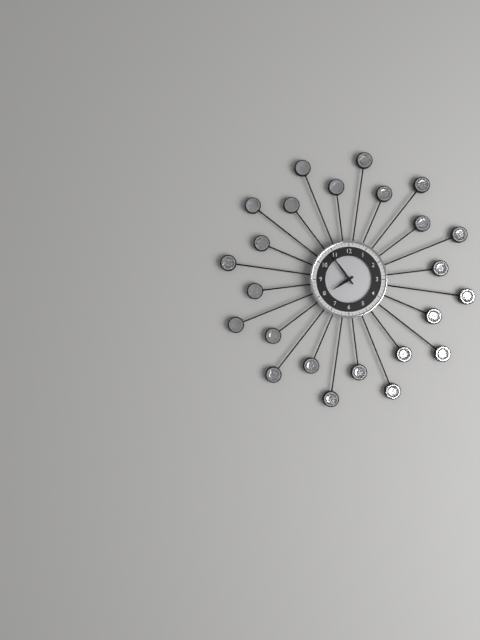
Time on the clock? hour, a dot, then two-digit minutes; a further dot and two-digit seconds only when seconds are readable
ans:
7.54
